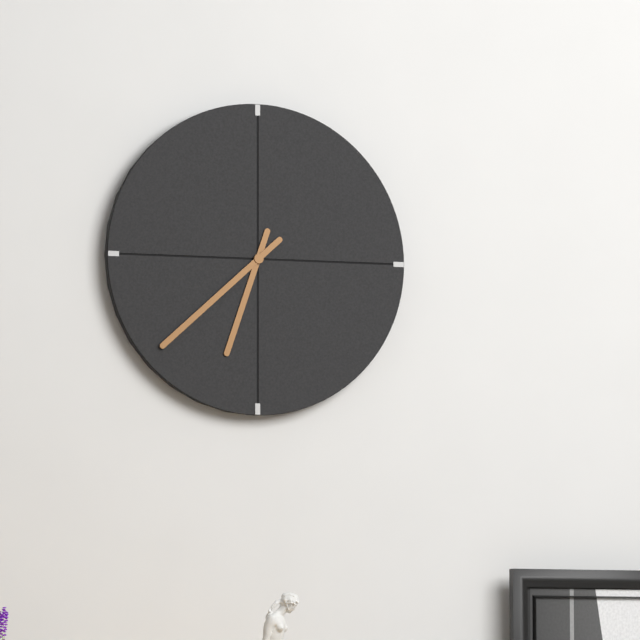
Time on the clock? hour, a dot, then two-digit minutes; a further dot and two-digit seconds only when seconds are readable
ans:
6.38
